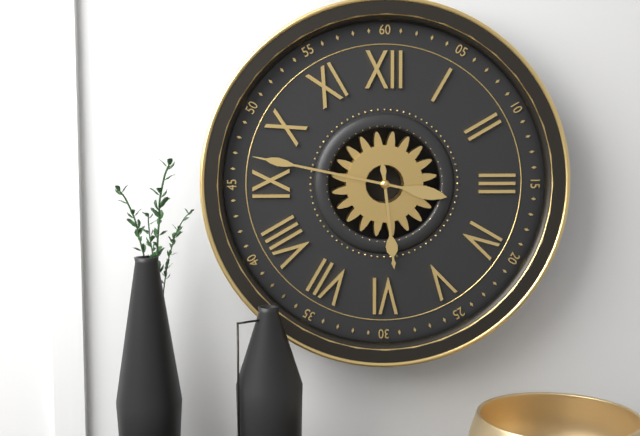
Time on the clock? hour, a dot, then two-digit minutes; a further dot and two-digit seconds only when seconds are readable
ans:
5.47
